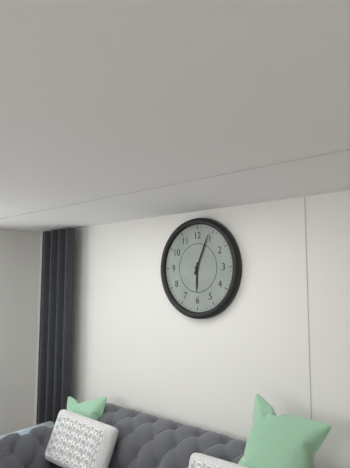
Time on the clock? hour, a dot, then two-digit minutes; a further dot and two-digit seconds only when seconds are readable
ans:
6.04
